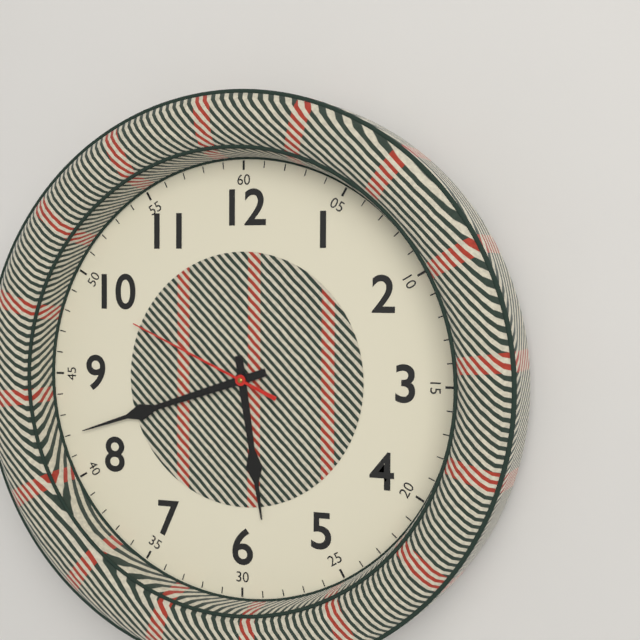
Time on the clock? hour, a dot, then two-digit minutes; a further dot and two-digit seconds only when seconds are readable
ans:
5.42.49
